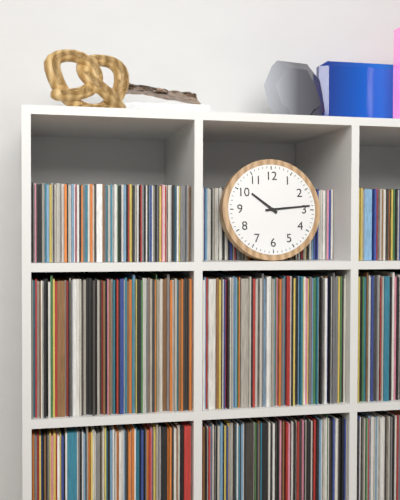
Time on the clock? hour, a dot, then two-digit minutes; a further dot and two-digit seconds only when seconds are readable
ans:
10.14
